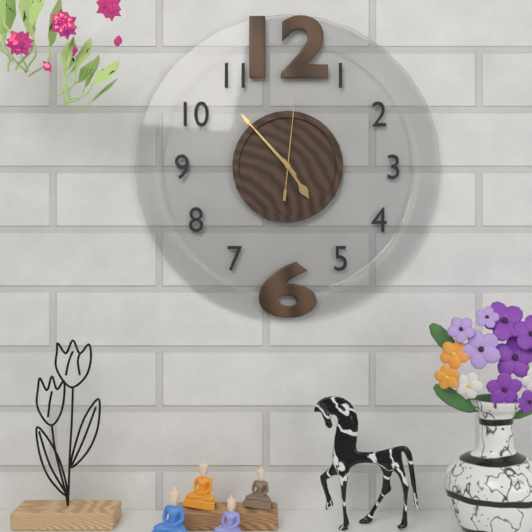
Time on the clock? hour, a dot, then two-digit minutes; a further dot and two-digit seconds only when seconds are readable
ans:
4.53.01
